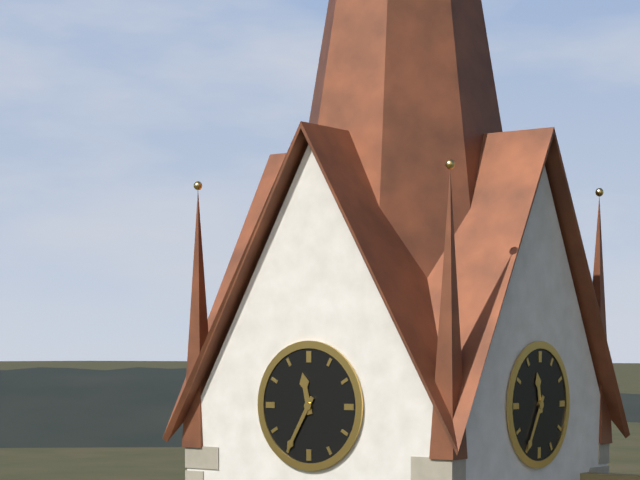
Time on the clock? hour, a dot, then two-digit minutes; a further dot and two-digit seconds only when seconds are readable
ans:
11.35
